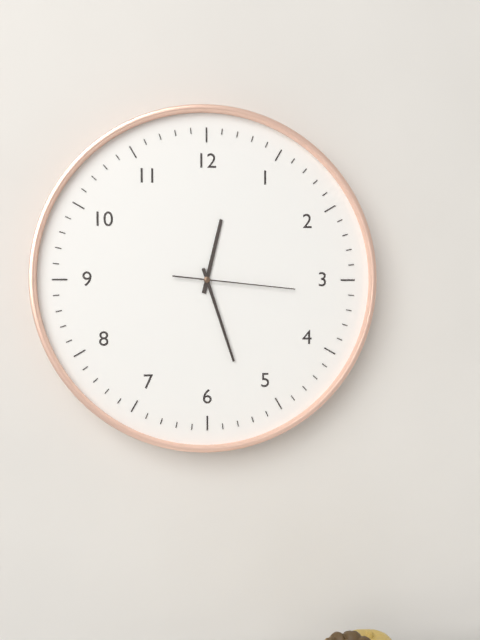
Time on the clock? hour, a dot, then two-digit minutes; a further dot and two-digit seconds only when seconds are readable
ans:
12.27.16
